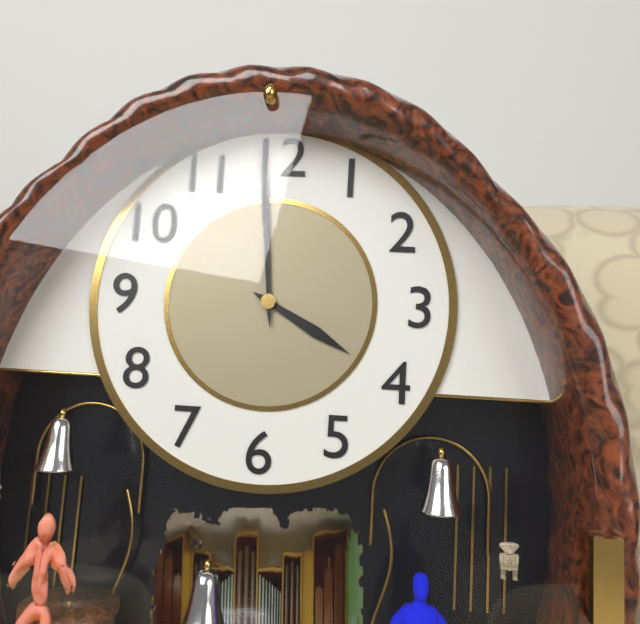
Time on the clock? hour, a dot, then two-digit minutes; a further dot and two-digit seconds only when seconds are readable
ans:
3.59
